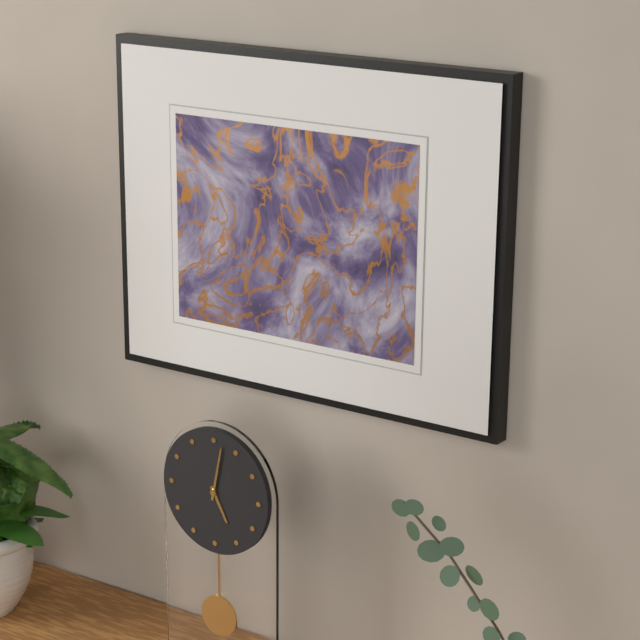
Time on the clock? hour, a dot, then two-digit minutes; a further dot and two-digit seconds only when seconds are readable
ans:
5.02
